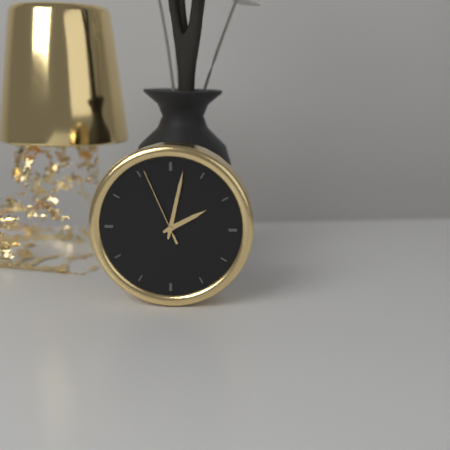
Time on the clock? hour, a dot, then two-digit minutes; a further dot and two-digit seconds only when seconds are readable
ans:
2.02.56
